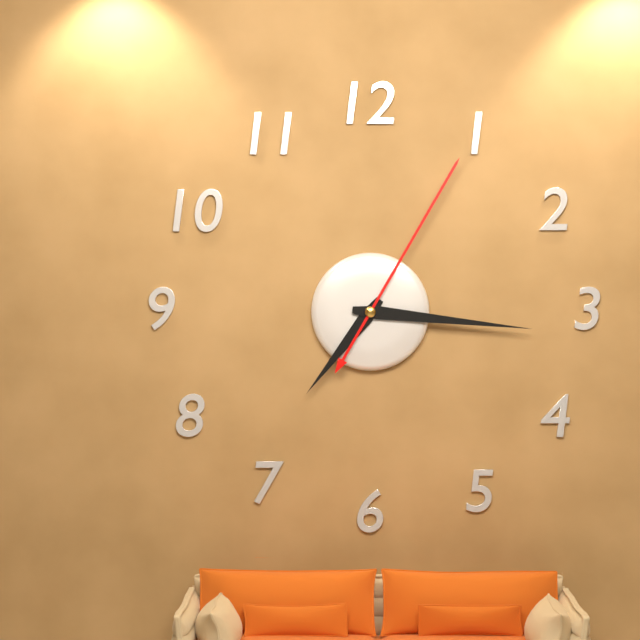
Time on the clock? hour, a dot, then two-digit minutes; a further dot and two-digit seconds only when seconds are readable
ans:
7.16.05
